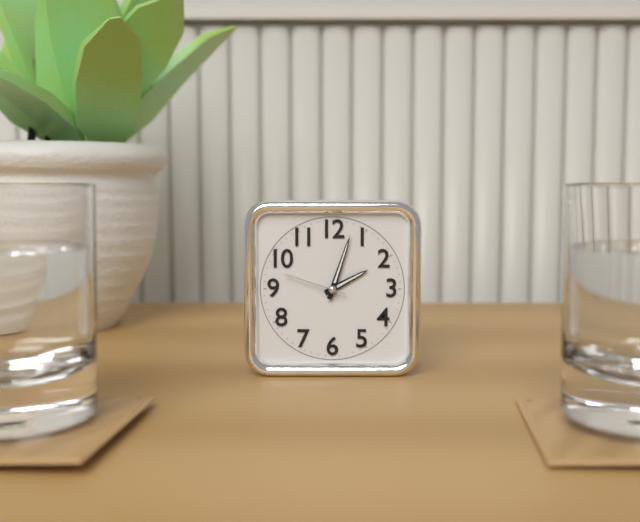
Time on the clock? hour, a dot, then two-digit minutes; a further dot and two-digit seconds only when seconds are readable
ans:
2.03.48
